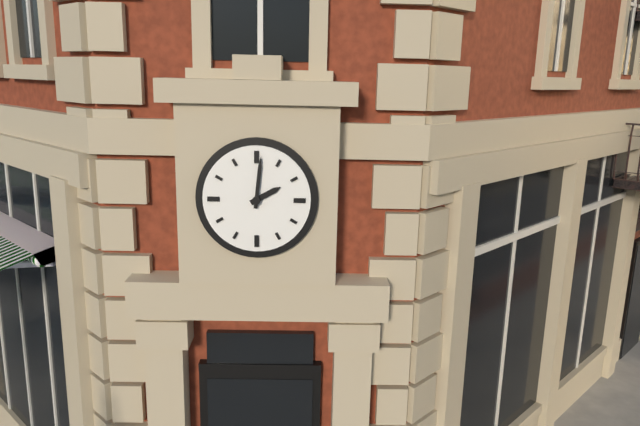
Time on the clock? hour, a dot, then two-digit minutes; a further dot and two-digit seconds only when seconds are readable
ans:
2.01
